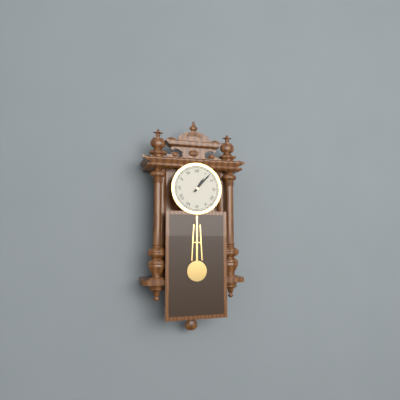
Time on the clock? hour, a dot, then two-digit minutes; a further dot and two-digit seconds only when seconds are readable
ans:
1.07
